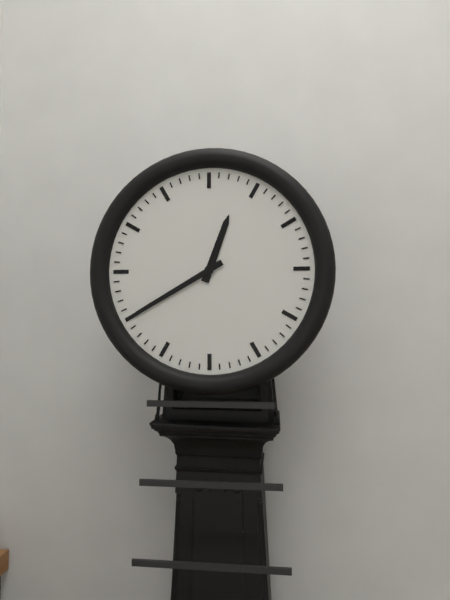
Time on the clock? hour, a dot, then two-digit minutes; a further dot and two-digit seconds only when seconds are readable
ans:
12.40
